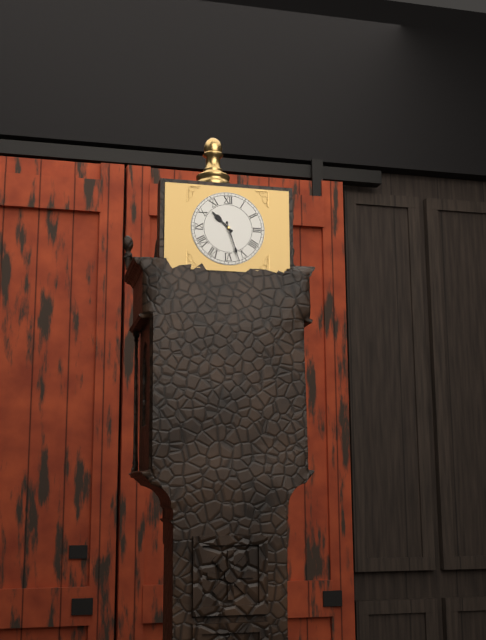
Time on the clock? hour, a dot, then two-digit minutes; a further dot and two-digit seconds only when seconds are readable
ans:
10.27
